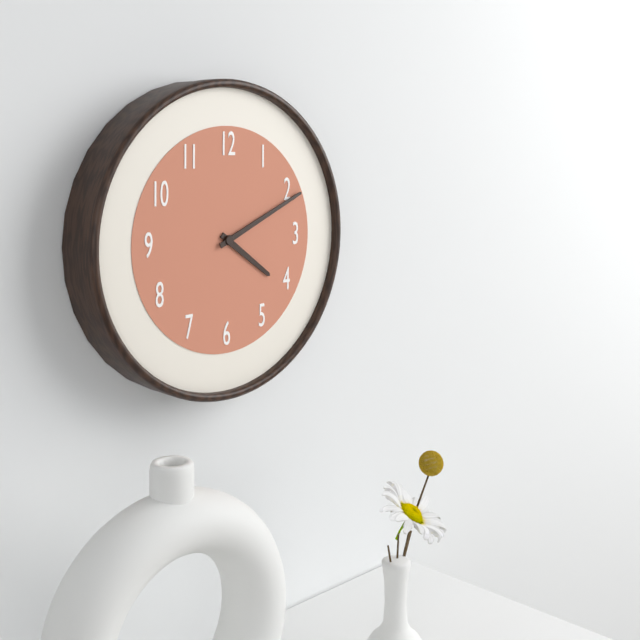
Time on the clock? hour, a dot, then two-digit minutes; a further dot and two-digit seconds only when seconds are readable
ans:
4.11
